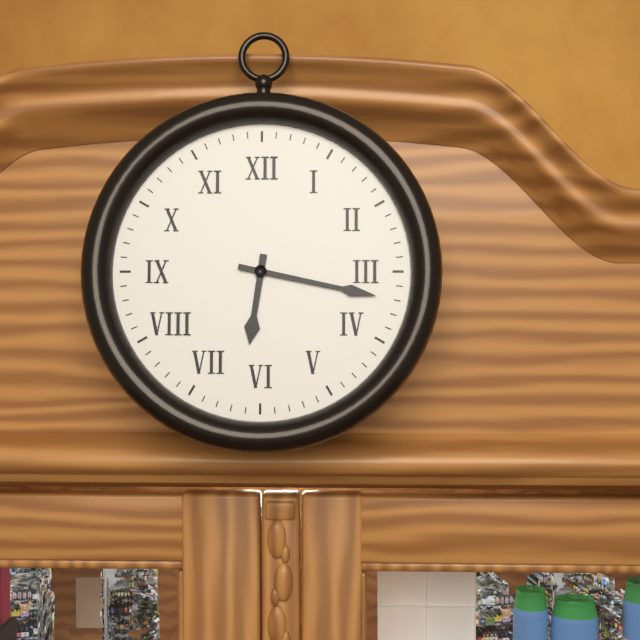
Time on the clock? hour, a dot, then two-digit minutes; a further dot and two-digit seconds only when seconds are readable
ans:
6.17
